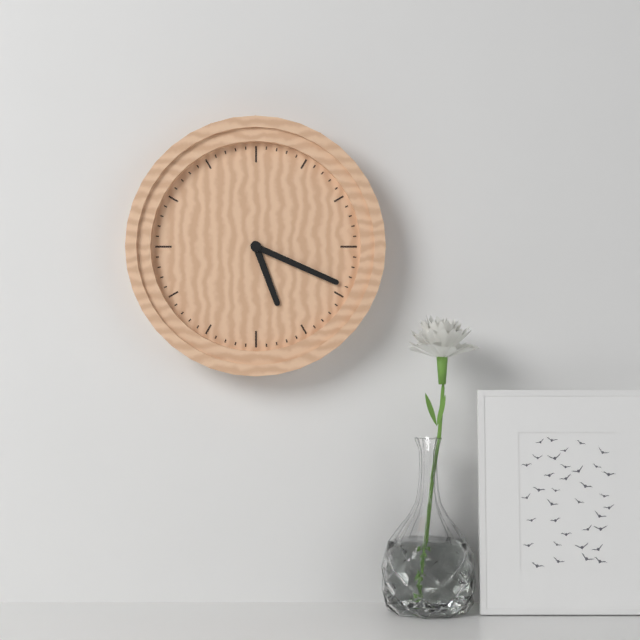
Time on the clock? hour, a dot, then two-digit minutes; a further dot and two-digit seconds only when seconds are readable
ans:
5.19
